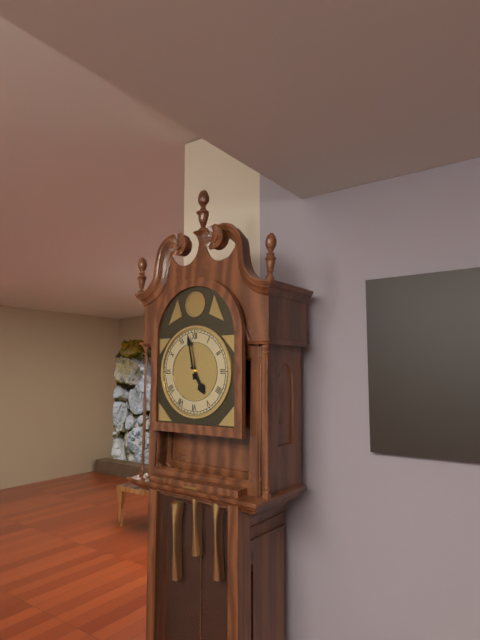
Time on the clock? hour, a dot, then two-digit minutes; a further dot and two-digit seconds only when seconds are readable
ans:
4.58
